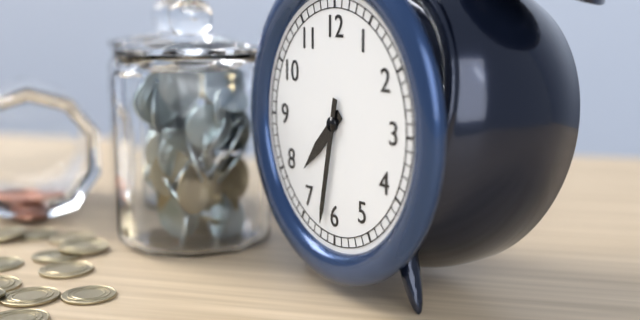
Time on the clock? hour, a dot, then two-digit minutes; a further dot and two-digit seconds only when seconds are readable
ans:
7.32
